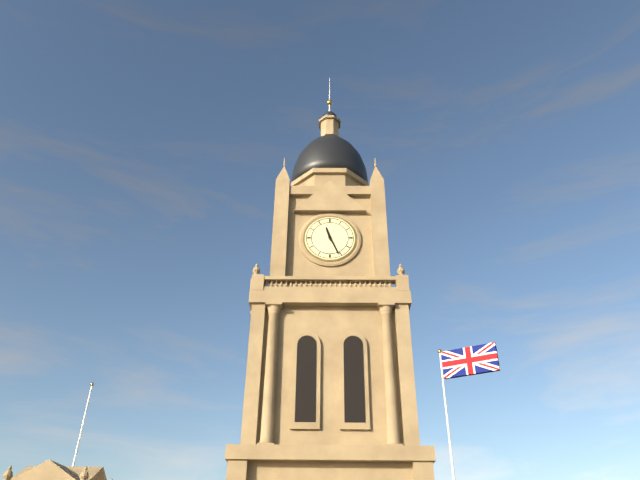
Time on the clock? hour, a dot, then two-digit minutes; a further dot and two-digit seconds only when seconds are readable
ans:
11.26
